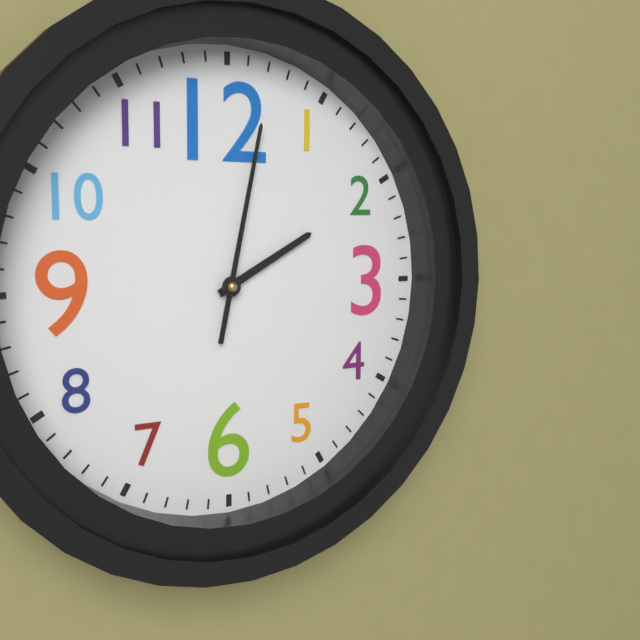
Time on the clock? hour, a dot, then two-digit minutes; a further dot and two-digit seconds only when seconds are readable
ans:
2.02
